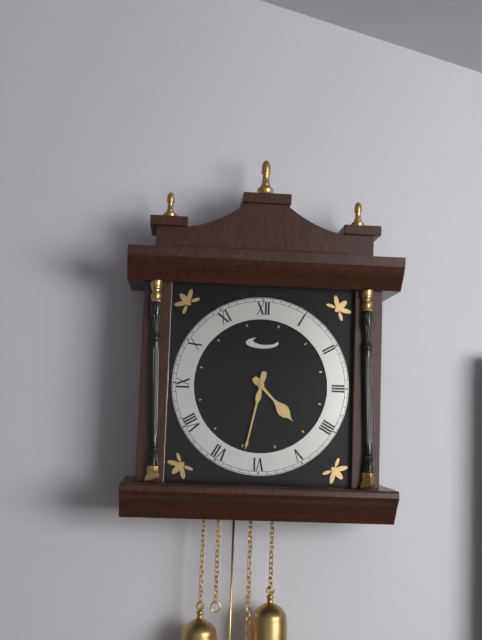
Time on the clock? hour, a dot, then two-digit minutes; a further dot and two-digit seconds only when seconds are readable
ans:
4.32
